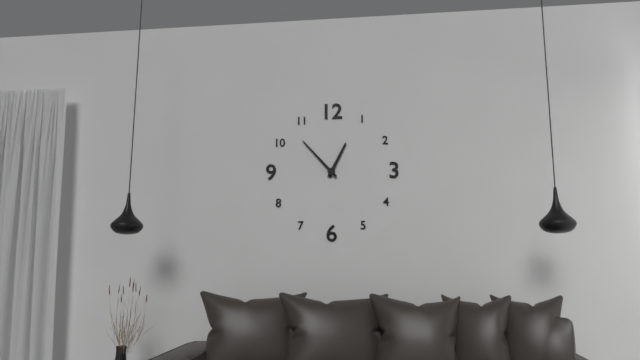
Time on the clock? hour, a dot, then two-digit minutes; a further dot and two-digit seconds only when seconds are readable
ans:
12.53
